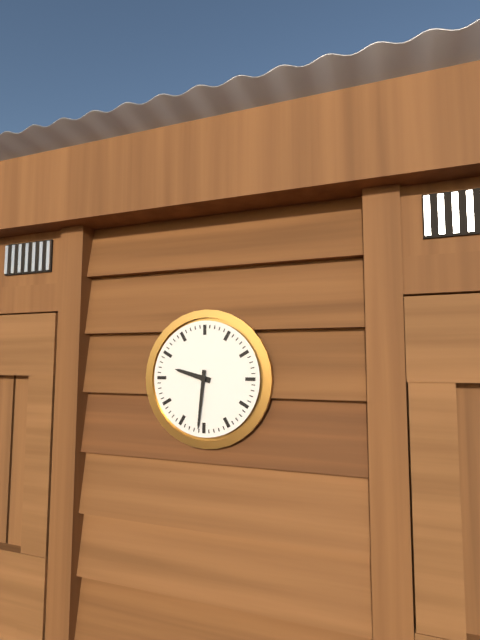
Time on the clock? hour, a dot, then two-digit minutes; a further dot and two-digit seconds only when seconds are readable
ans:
9.31
